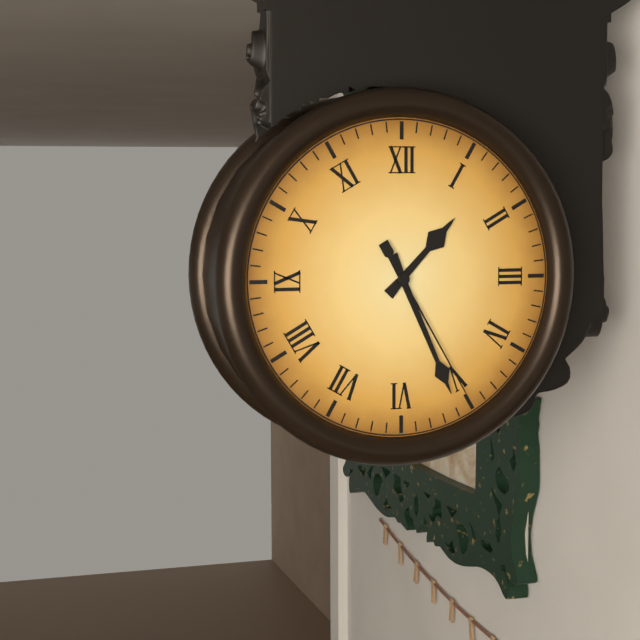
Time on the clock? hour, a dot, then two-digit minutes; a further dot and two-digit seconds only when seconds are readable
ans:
1.26.25
